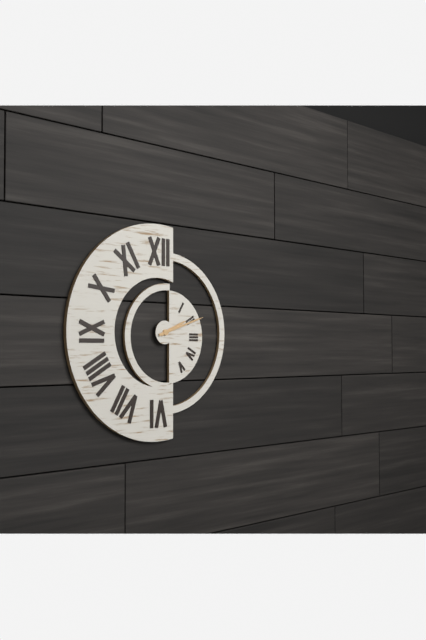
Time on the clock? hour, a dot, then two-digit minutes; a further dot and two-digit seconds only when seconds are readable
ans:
2.12
